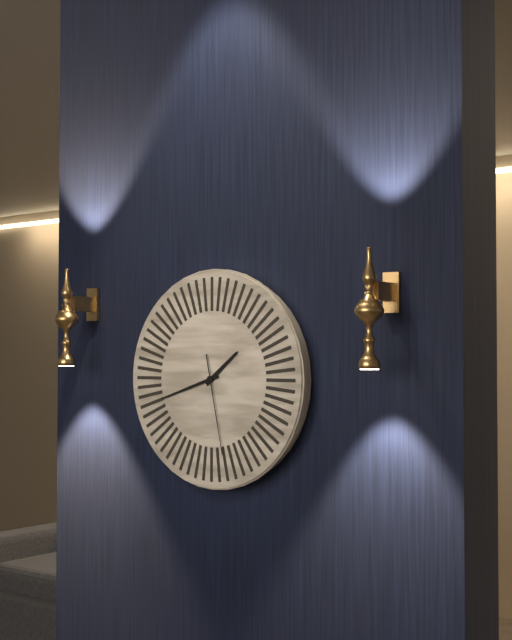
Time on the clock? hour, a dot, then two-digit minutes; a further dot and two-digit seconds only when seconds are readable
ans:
1.42.28
